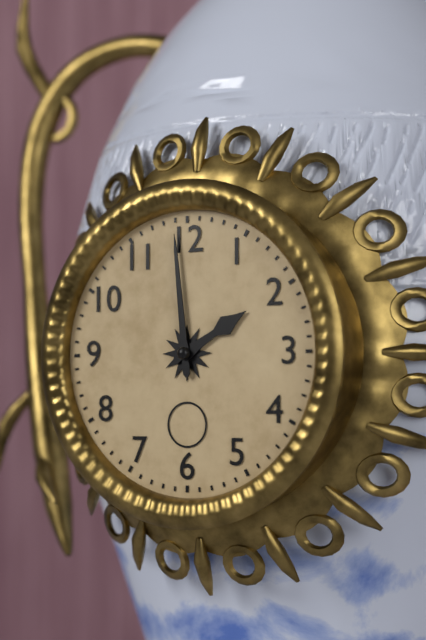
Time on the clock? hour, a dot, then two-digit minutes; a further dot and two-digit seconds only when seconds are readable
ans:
1.59
